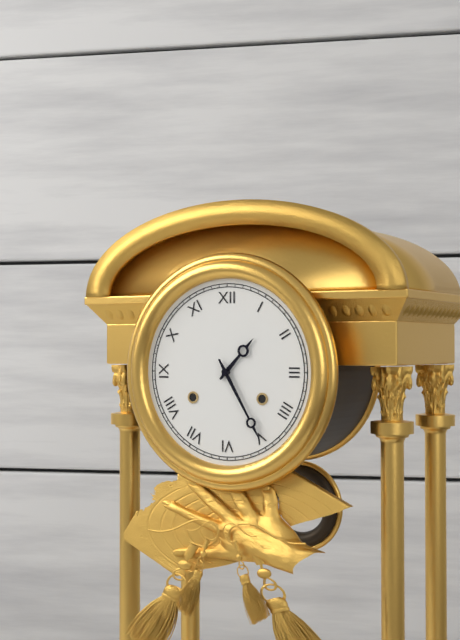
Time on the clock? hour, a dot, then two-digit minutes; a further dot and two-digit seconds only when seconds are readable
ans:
1.25
